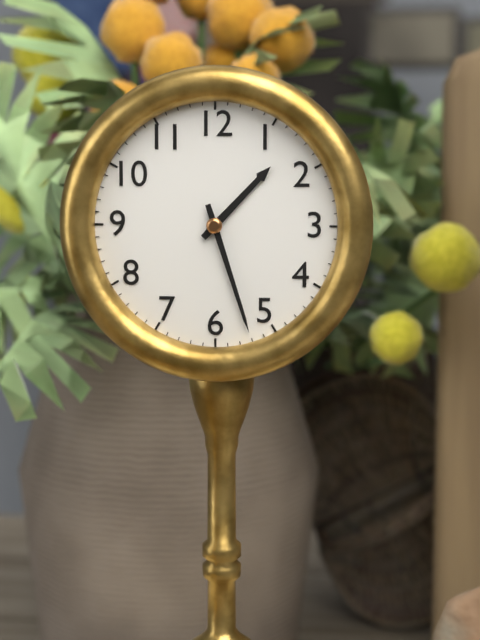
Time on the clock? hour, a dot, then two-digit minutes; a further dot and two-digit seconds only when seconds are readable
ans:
1.27
